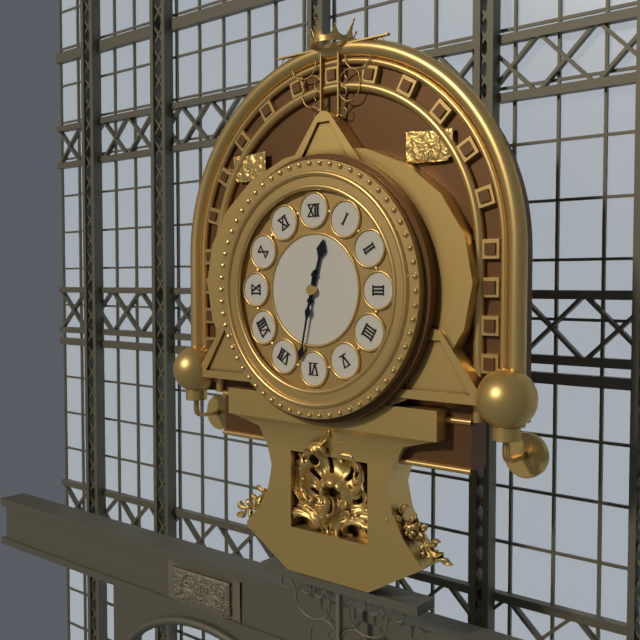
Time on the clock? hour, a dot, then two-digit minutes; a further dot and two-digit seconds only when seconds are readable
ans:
12.32
